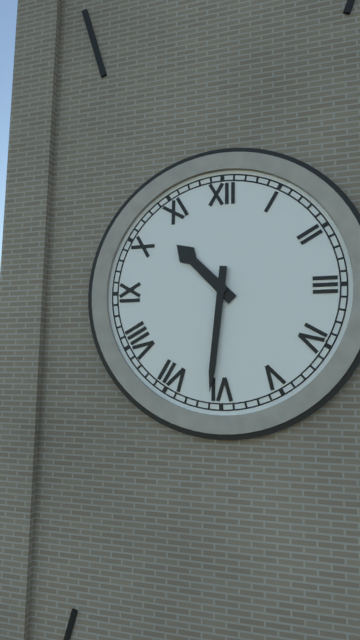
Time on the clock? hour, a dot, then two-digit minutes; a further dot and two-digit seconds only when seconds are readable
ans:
10.31
